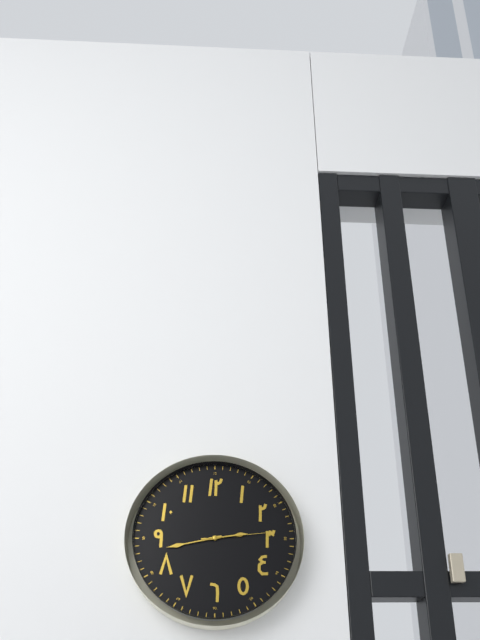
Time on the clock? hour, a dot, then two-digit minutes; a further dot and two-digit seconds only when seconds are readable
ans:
2.43.14
